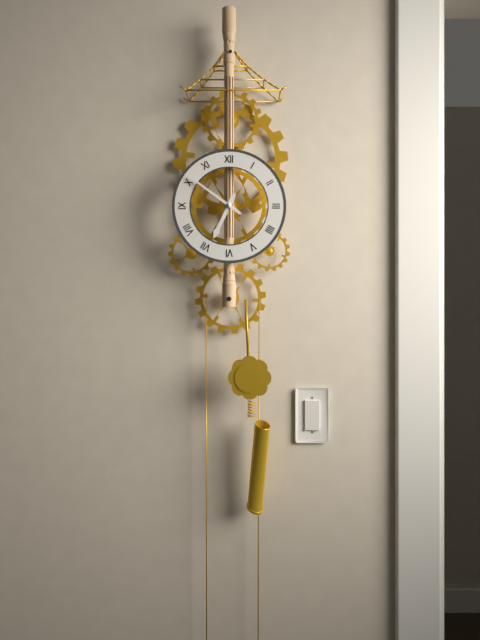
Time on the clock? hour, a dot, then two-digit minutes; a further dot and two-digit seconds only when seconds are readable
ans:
6.51
